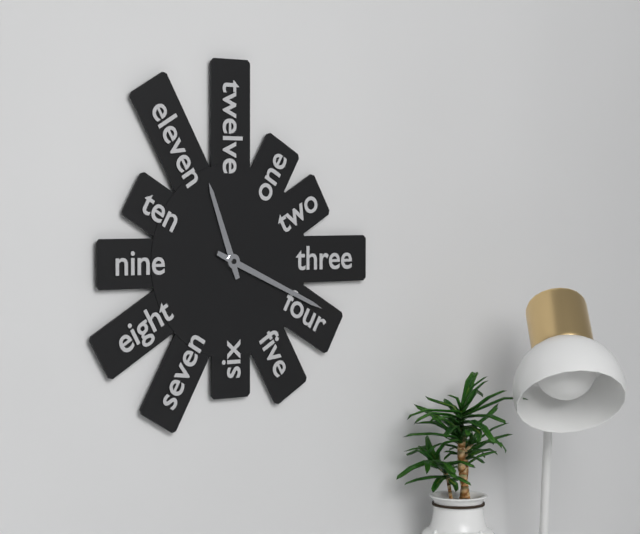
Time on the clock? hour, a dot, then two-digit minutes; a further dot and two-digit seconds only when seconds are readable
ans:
11.19
